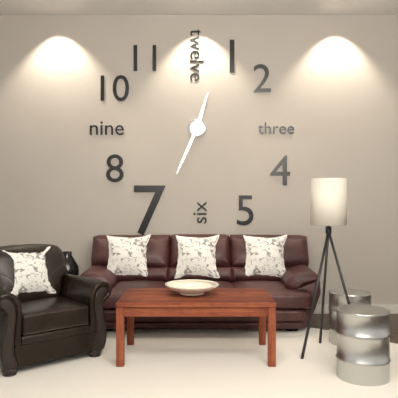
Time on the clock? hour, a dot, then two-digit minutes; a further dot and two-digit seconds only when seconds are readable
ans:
12.34
